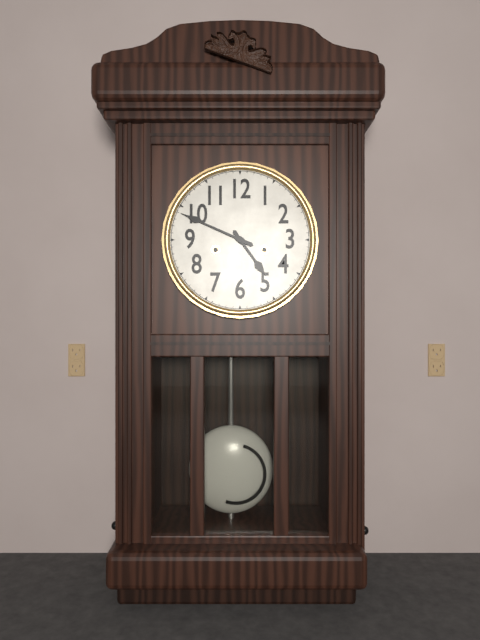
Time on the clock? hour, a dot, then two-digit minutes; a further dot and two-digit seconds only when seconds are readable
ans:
4.49
